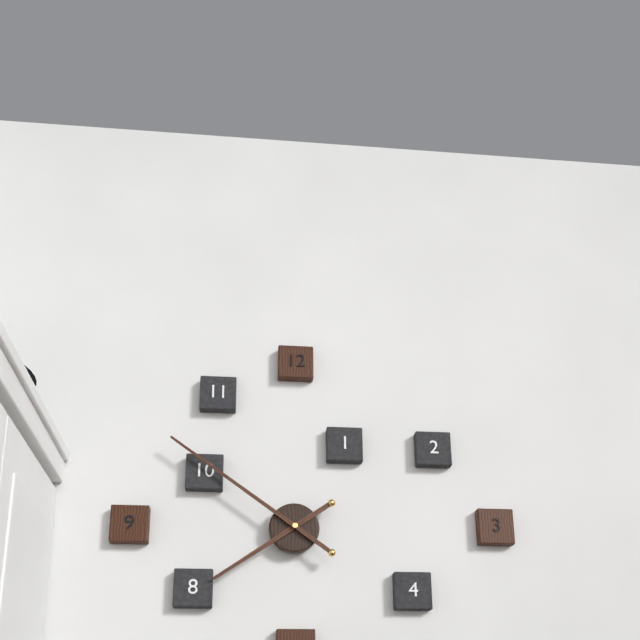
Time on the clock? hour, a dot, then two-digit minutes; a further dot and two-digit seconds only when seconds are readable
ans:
7.51
